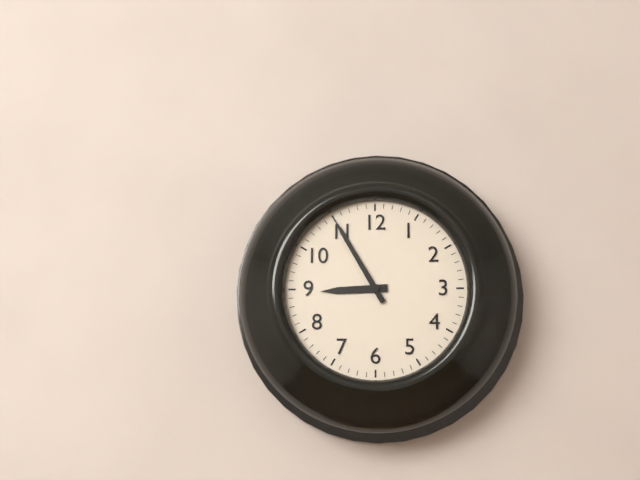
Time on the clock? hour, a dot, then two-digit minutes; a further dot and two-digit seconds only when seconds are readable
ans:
8.55
